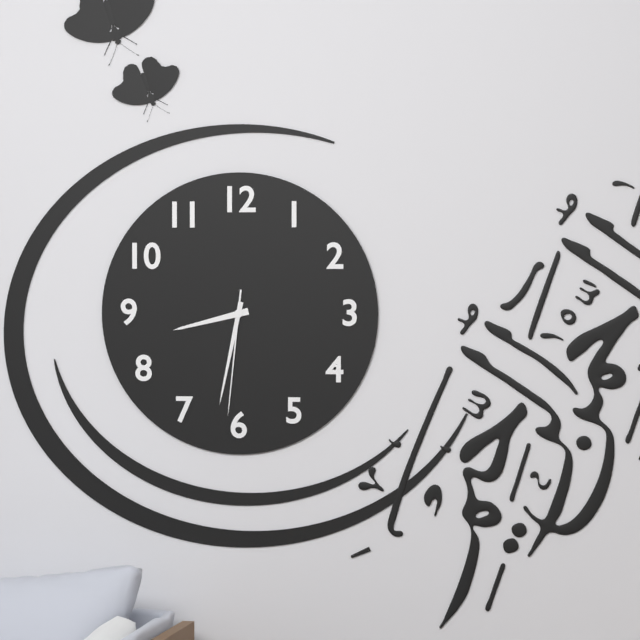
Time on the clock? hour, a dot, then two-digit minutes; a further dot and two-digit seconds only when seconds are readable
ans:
8.32.31
